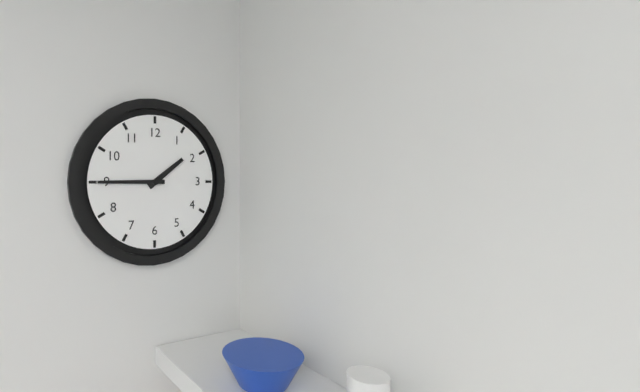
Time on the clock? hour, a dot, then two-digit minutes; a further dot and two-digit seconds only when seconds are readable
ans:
1.45
